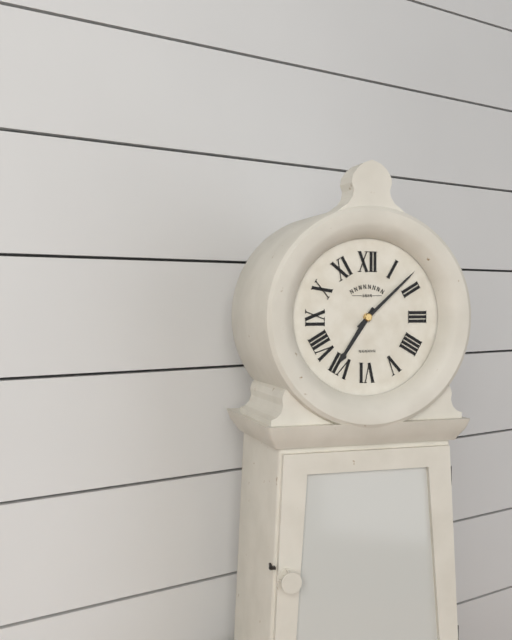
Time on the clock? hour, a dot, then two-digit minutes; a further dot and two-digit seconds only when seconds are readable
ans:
7.08
